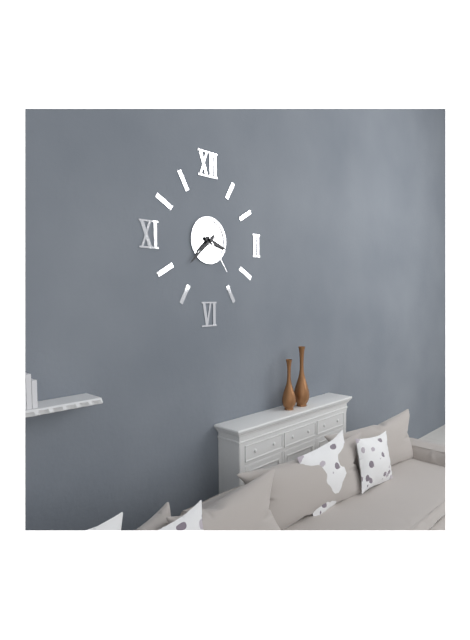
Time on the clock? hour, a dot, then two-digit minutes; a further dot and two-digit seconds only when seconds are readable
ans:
3.38
